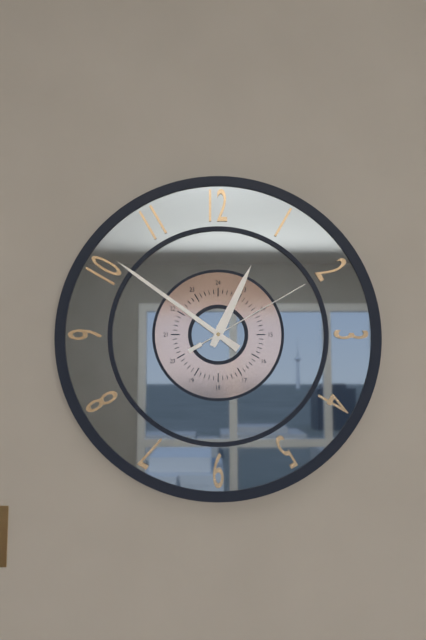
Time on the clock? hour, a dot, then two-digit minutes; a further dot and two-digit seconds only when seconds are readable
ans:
12.51.10
